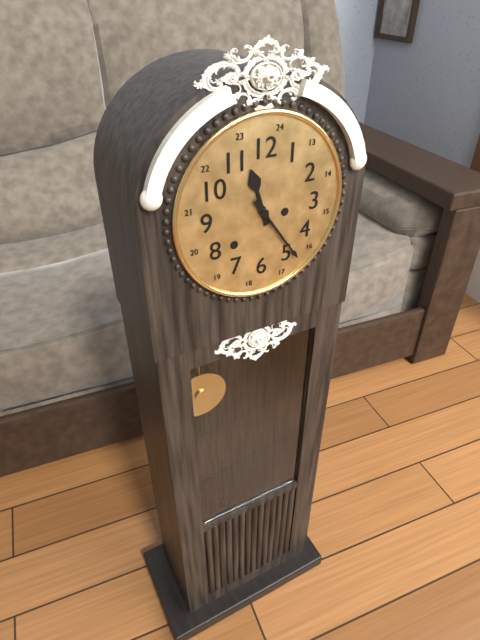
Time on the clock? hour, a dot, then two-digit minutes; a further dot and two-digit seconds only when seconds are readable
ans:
11.24
